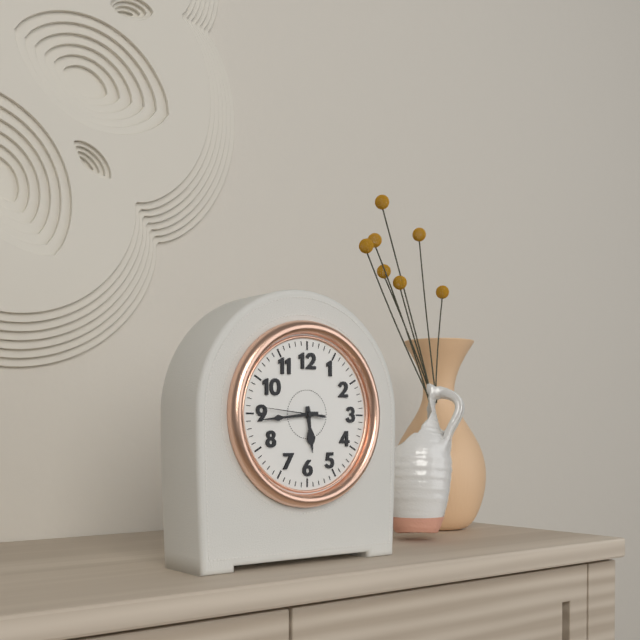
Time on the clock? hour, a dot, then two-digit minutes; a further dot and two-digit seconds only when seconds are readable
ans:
5.44.46
